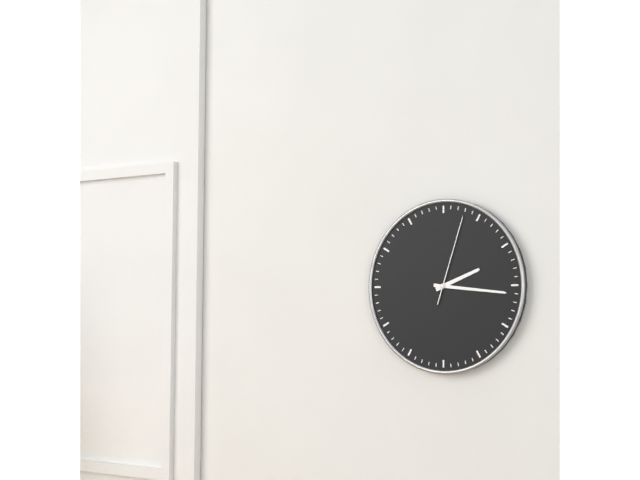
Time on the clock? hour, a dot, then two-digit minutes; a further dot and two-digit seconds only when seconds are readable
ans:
2.16.03
